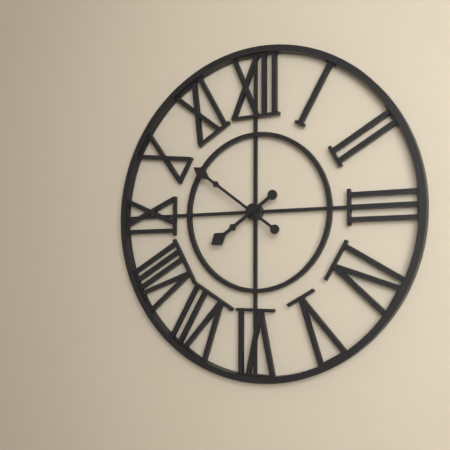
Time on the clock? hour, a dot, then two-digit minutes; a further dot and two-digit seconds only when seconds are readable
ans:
7.51
